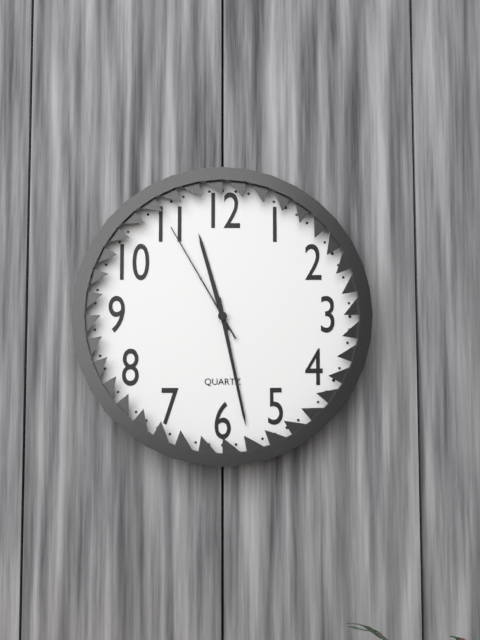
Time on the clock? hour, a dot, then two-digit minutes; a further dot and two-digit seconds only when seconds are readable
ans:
11.28.55
